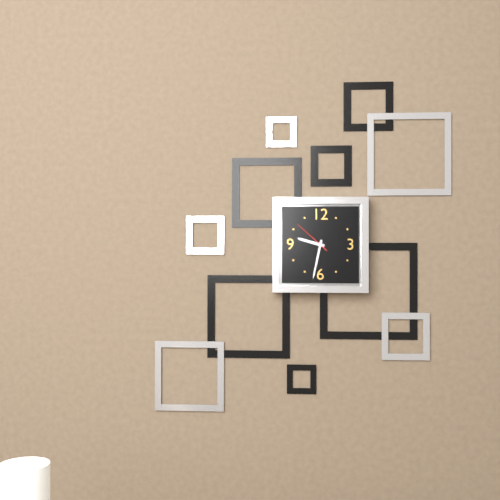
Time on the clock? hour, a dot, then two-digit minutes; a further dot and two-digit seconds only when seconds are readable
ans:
9.32
